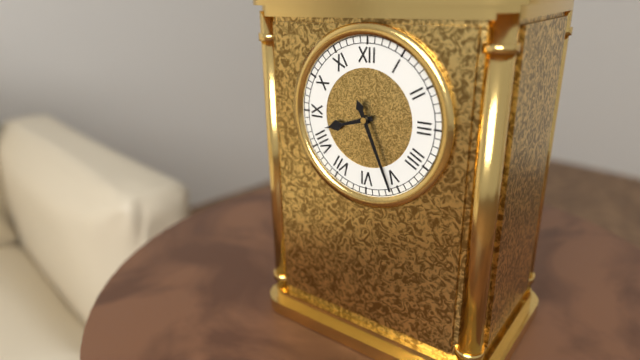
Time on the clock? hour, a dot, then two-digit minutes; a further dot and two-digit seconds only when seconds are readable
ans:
8.26
